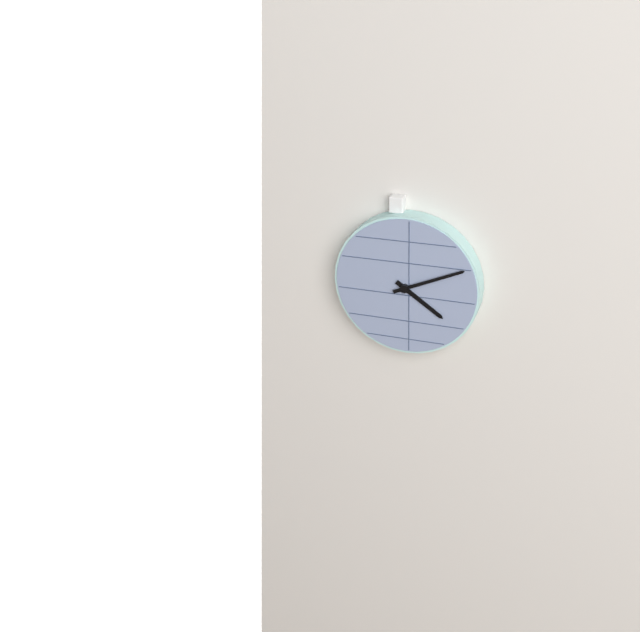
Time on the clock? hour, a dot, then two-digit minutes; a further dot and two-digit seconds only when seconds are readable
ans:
4.11
